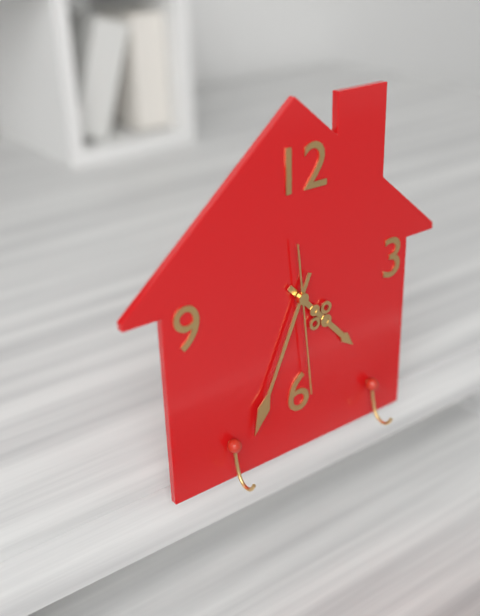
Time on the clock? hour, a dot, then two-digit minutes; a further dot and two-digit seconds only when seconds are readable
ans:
4.34.29
